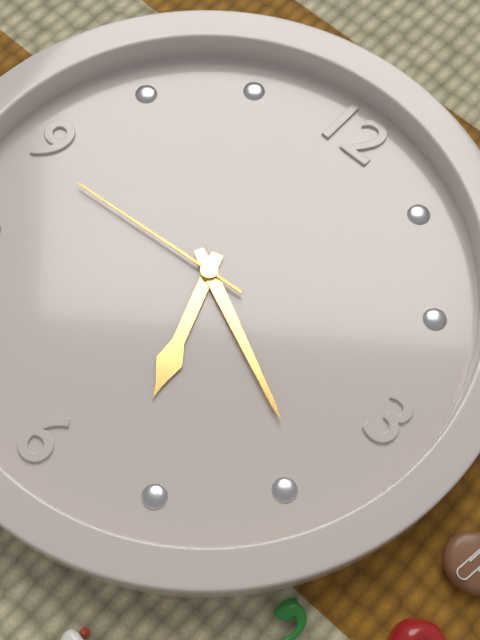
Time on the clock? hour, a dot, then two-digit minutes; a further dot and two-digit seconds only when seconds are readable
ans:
5.19.44
